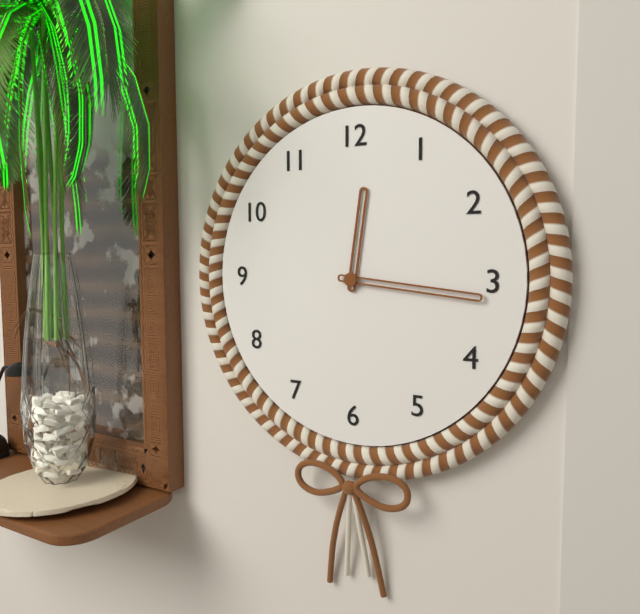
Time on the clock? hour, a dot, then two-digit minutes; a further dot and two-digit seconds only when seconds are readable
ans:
12.16
